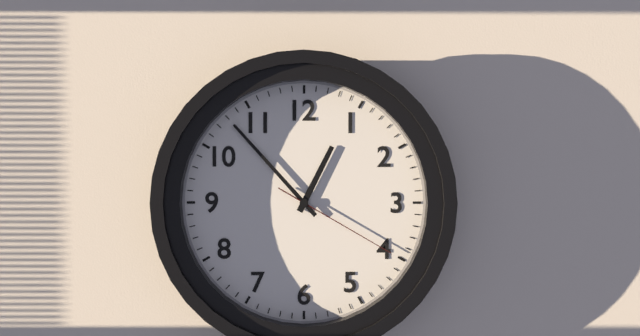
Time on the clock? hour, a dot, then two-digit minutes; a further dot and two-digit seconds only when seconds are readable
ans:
12.53.20
